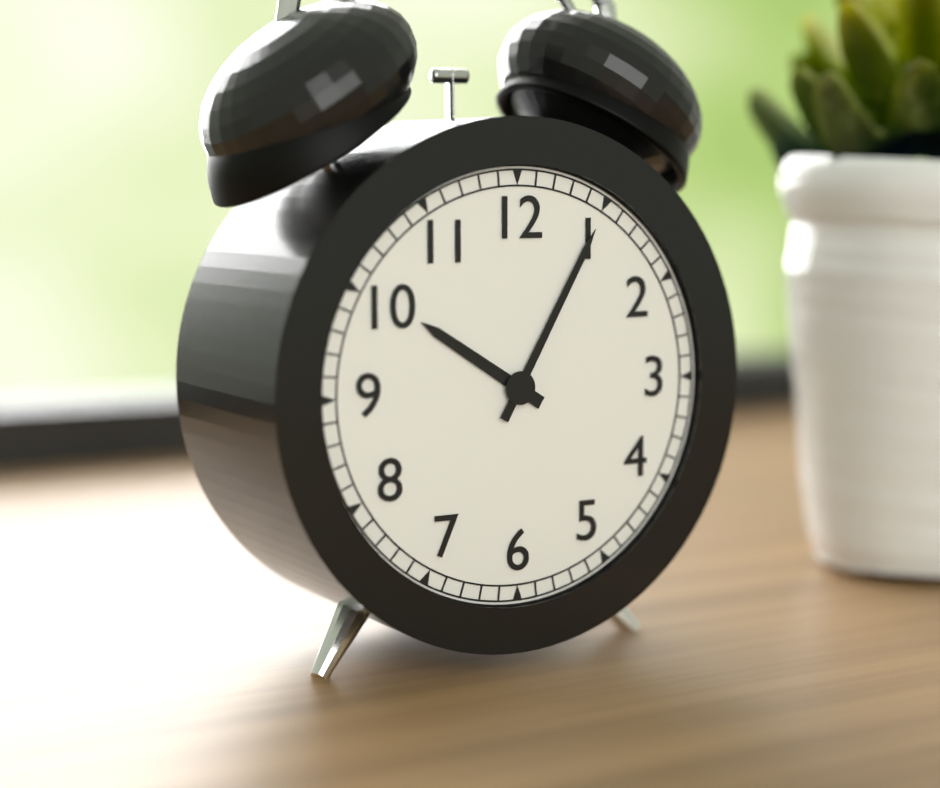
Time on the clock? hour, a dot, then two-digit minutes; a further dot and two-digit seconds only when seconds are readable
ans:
10.05
